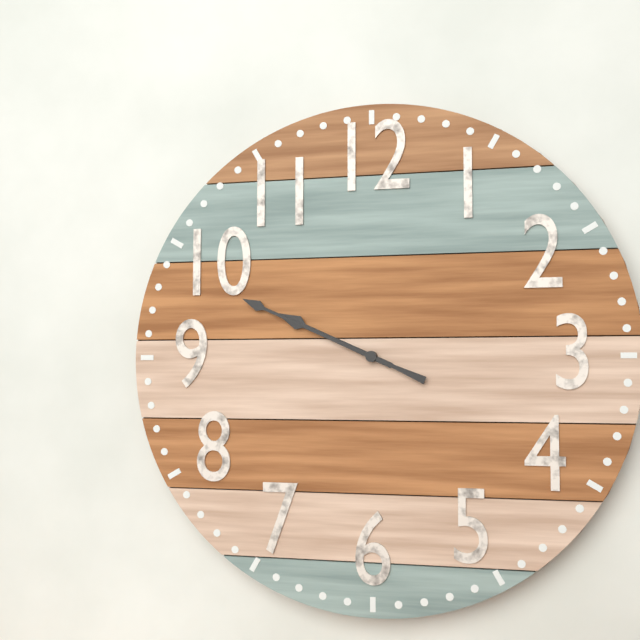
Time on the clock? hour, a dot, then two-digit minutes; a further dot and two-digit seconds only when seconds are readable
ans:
9.49
